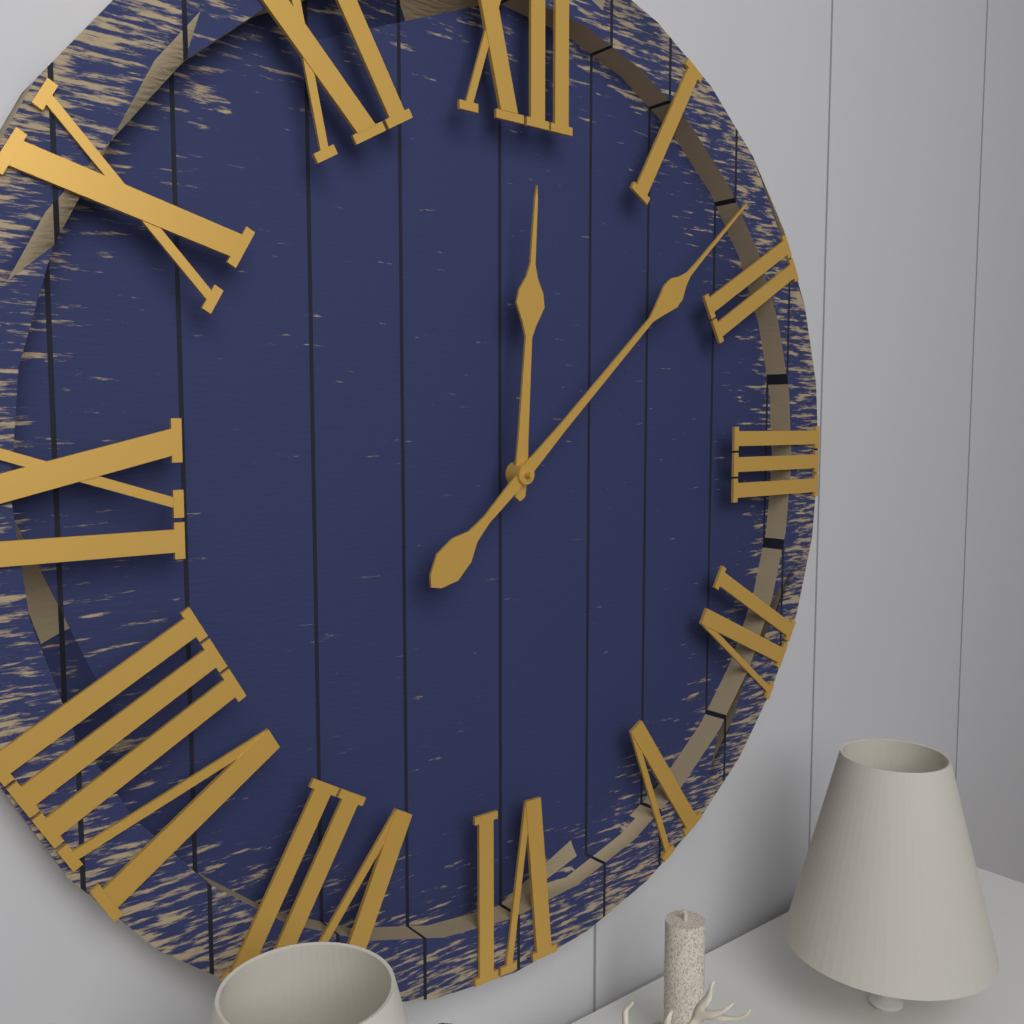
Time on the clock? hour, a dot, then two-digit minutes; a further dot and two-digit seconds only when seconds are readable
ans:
12.08
